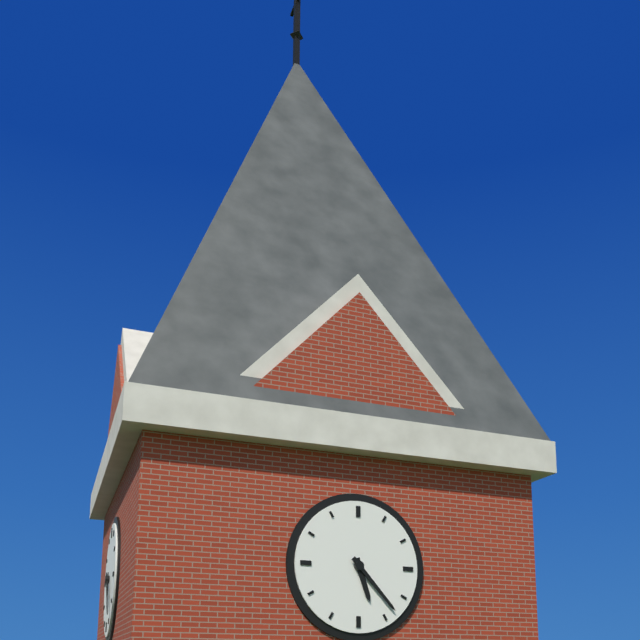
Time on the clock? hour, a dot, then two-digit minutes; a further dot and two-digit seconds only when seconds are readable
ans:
5.23
